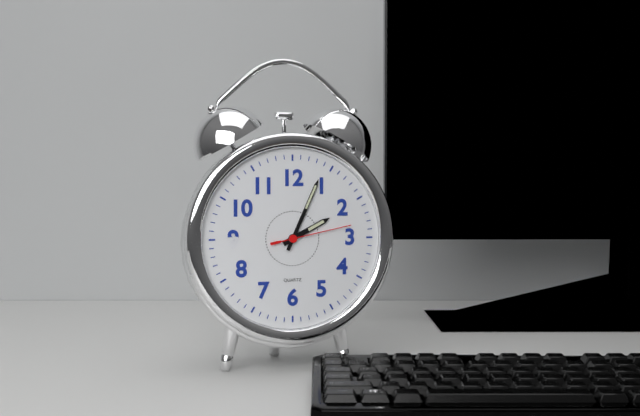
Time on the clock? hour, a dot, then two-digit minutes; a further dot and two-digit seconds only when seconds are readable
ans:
2.04.13
